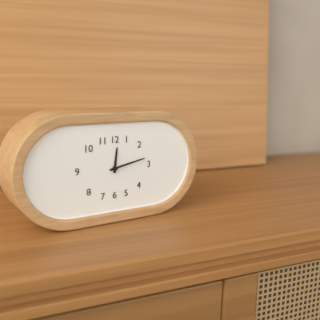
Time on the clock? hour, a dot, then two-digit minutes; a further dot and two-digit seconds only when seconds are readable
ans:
12.13
